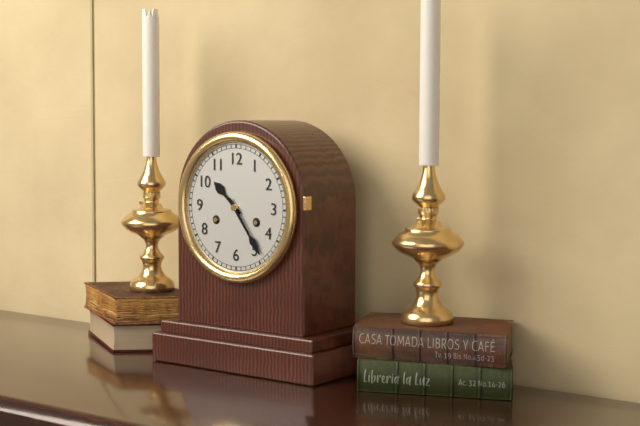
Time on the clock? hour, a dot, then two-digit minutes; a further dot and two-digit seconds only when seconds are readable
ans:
10.24
